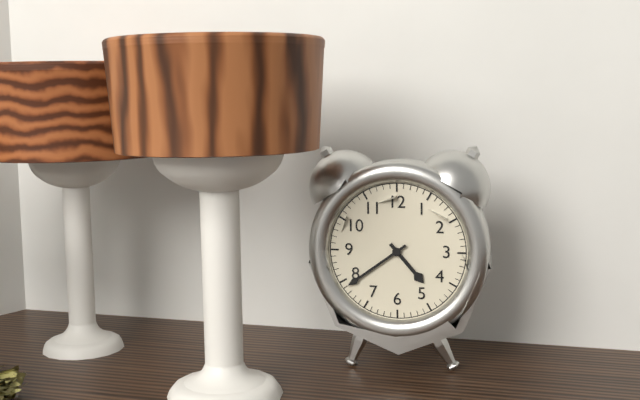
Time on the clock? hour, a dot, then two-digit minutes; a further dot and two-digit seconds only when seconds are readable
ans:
4.39
